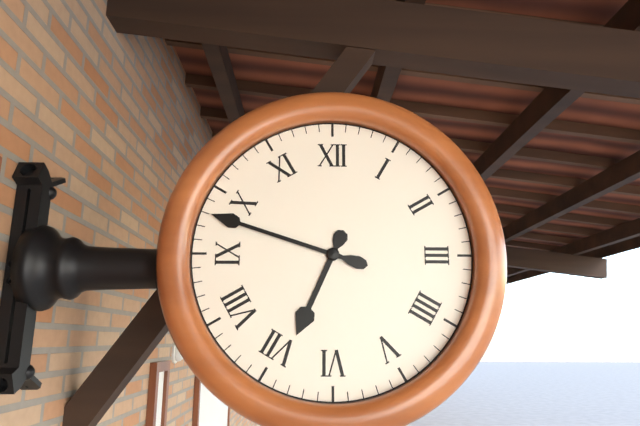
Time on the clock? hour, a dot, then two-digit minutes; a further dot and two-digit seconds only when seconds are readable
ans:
6.48
